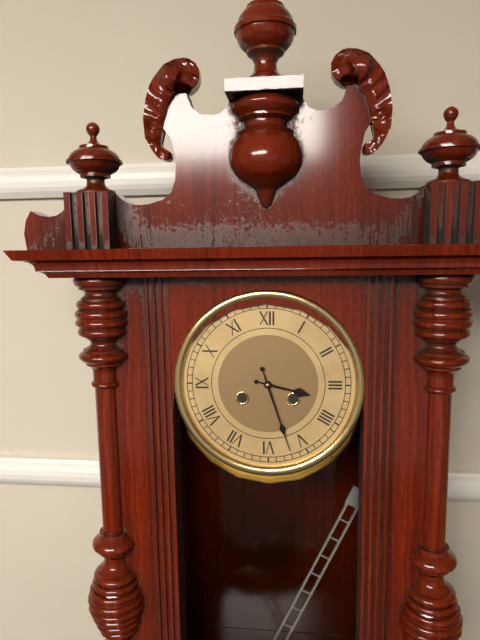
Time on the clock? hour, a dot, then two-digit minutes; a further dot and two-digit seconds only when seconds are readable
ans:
3.27
